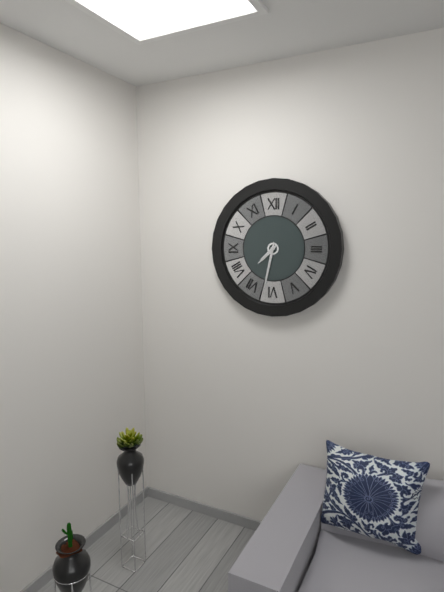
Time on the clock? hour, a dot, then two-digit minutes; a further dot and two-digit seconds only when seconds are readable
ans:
7.32
